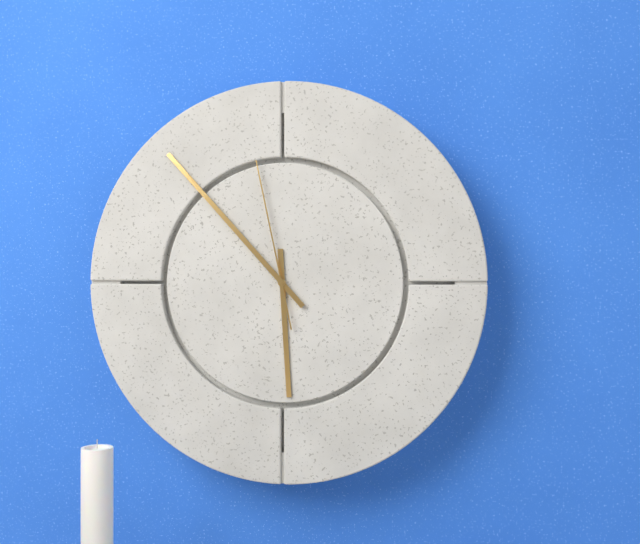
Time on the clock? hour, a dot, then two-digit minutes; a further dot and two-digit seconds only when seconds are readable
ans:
5.53.58
